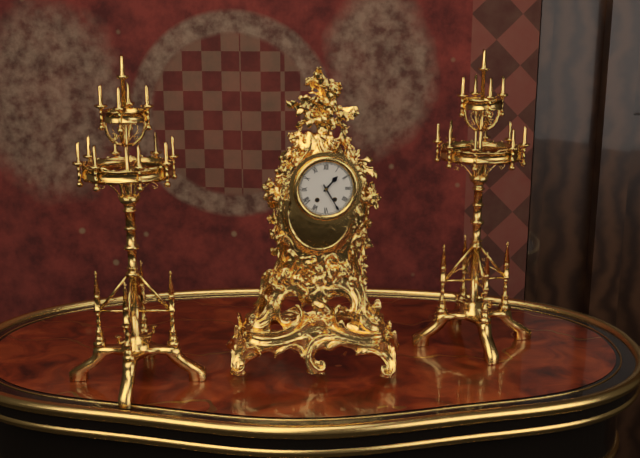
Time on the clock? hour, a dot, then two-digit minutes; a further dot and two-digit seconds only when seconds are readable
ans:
1.25
